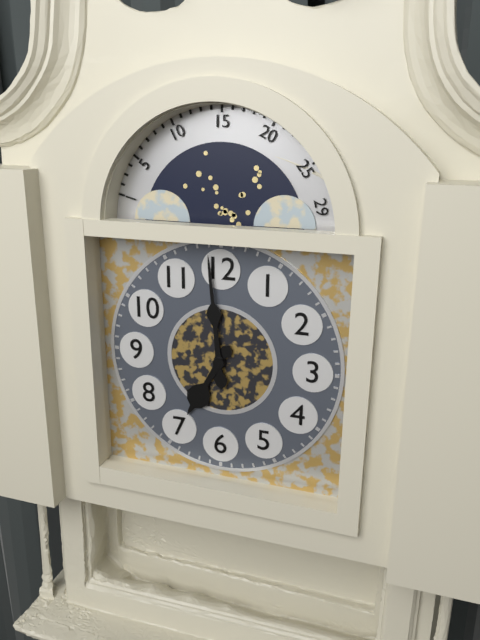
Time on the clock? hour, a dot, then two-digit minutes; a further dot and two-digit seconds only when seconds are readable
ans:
6.59
